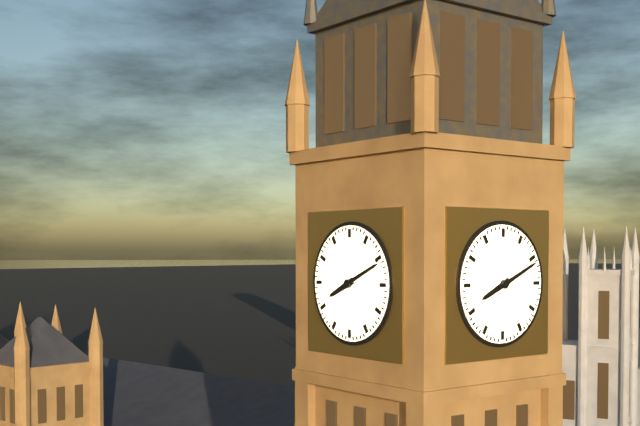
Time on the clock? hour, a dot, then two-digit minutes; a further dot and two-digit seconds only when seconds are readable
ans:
8.11
